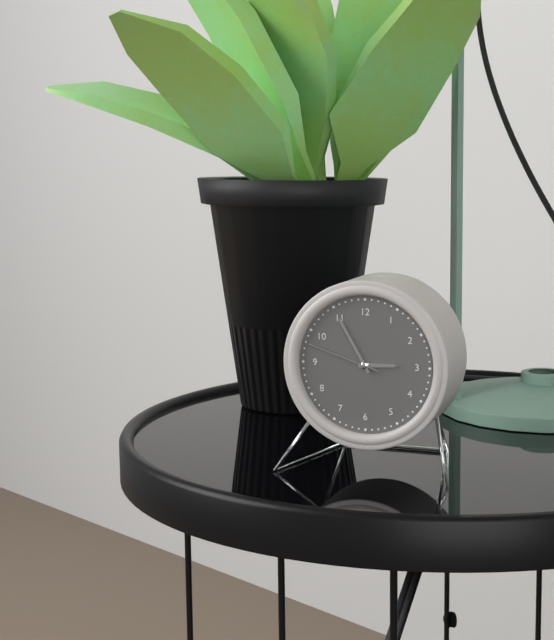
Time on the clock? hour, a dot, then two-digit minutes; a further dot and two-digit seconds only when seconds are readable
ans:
2.55.48
